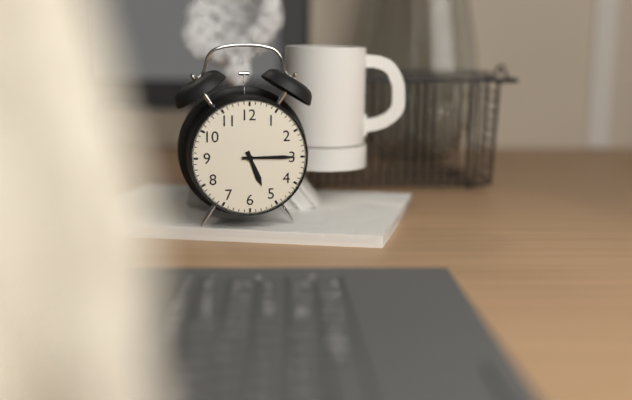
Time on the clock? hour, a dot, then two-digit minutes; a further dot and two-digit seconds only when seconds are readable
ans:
5.15
